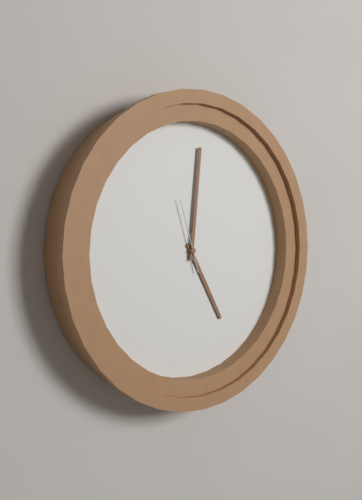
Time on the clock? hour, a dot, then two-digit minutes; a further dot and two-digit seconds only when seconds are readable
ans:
5.01.57
